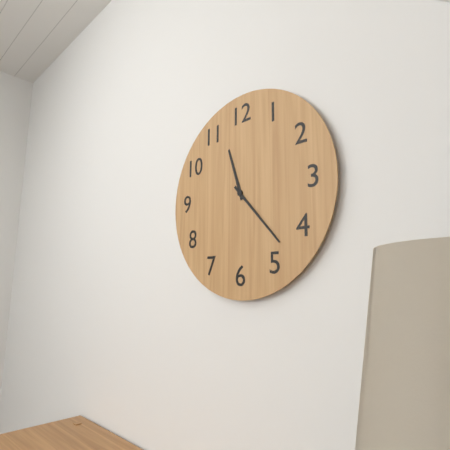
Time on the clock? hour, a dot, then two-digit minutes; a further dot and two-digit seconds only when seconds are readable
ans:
11.23
